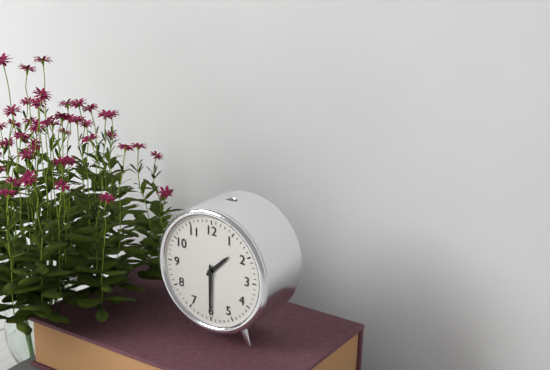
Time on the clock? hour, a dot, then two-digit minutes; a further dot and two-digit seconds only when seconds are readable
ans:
1.30
